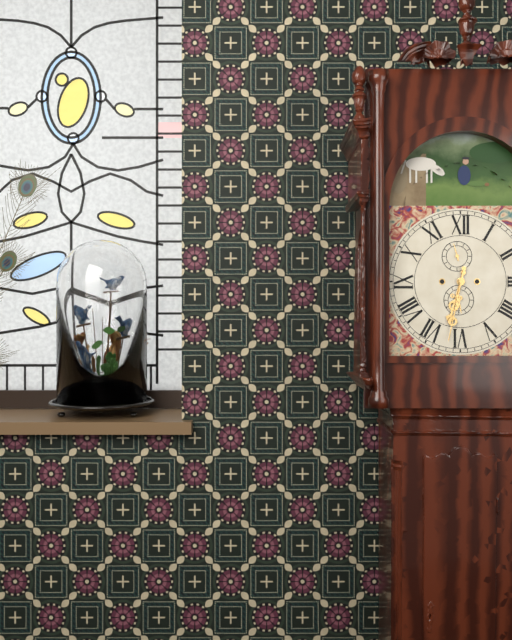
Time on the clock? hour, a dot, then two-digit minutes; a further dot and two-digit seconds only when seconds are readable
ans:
6.32
